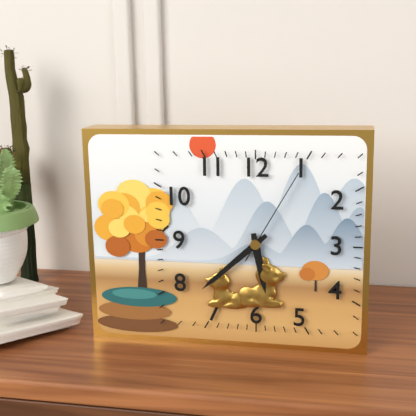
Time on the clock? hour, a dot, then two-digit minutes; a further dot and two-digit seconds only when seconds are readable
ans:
5.38.05
